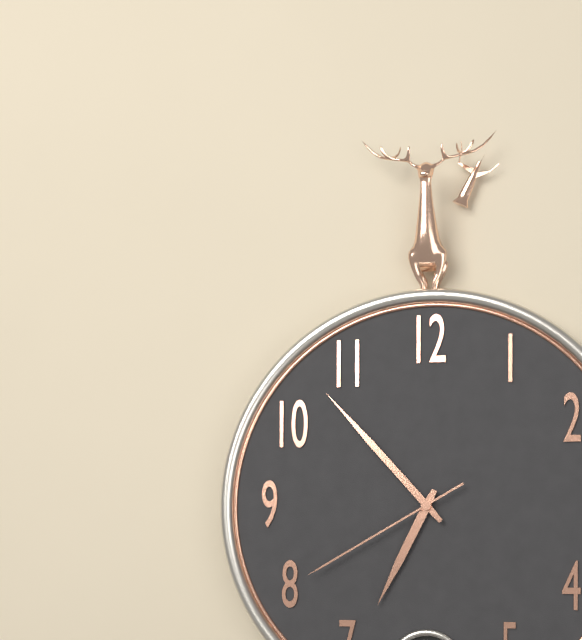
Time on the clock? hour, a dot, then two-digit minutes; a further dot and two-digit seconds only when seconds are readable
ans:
6.53.40
